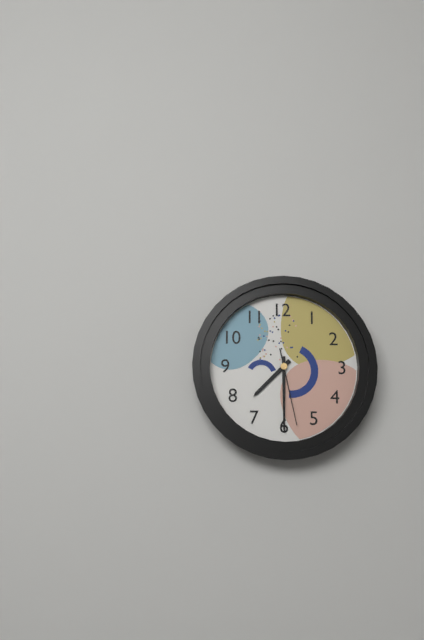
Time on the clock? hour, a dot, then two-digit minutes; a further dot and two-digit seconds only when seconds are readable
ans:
7.30.28
